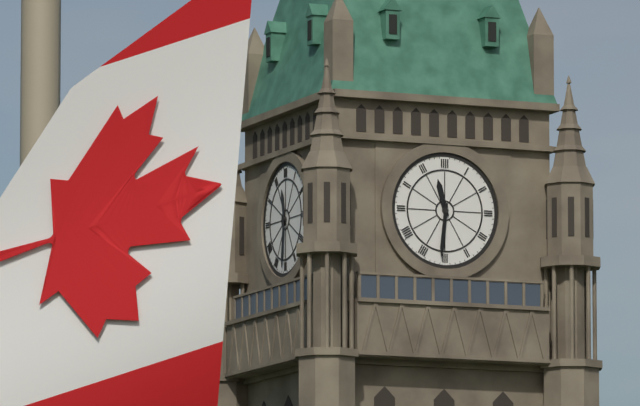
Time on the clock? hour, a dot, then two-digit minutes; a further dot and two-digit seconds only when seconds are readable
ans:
11.31
